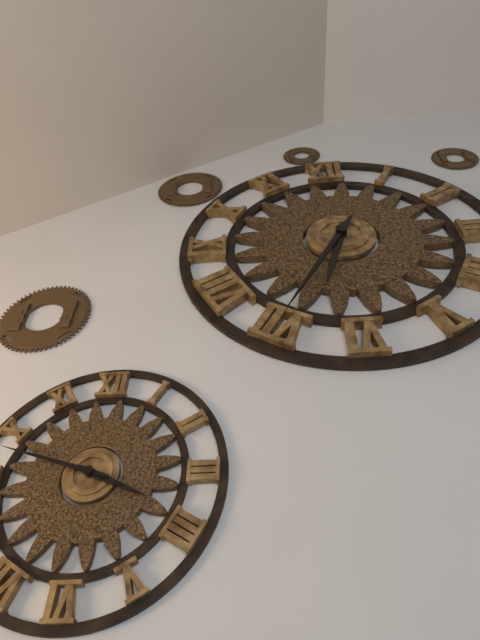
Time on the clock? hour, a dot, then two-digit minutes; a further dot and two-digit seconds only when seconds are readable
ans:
6.35
